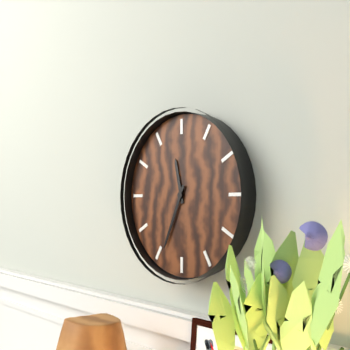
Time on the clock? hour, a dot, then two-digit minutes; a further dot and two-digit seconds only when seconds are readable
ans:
11.34
